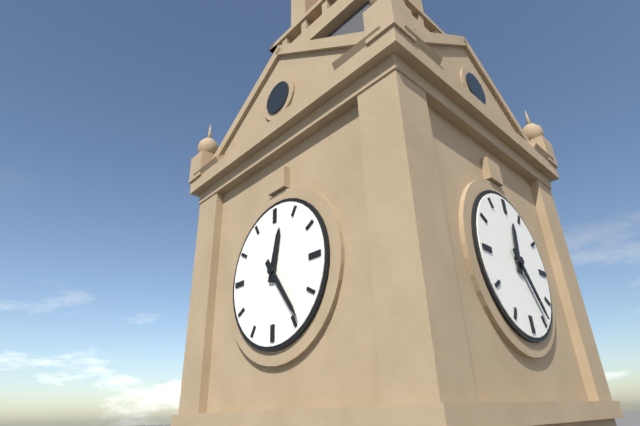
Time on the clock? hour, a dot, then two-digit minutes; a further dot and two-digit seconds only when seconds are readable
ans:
12.24
